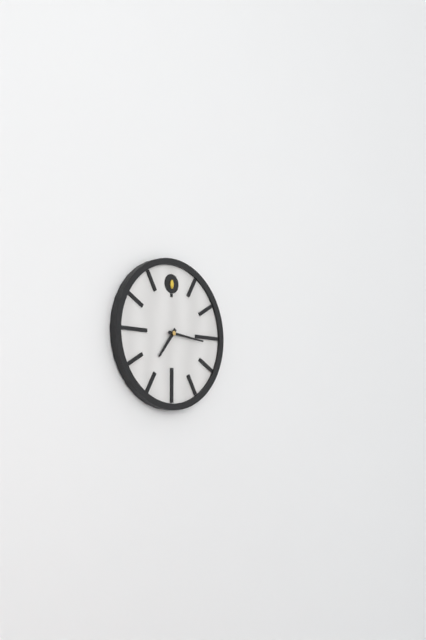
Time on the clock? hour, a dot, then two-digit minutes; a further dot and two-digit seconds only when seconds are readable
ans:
7.16
